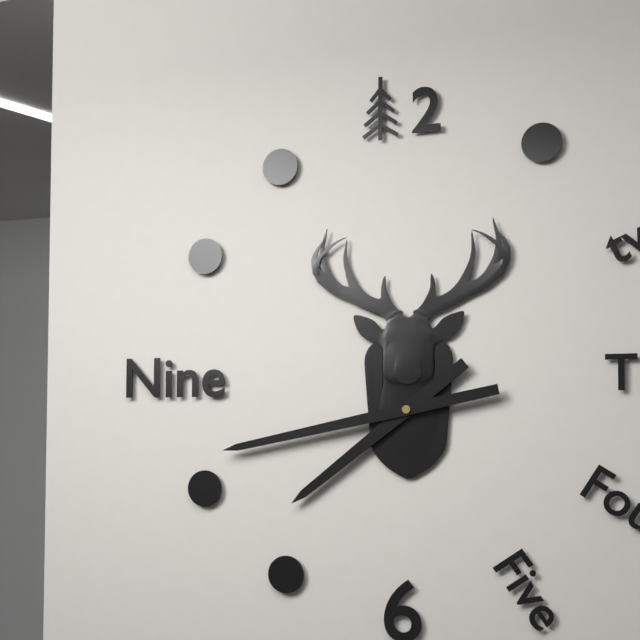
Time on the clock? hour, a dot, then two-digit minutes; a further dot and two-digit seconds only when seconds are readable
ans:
7.43
